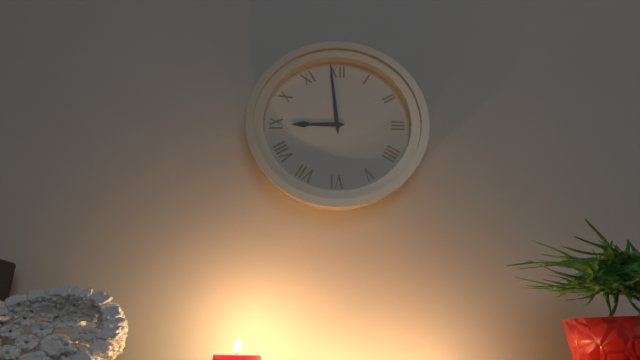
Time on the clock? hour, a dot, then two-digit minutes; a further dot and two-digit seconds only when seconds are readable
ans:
8.59
